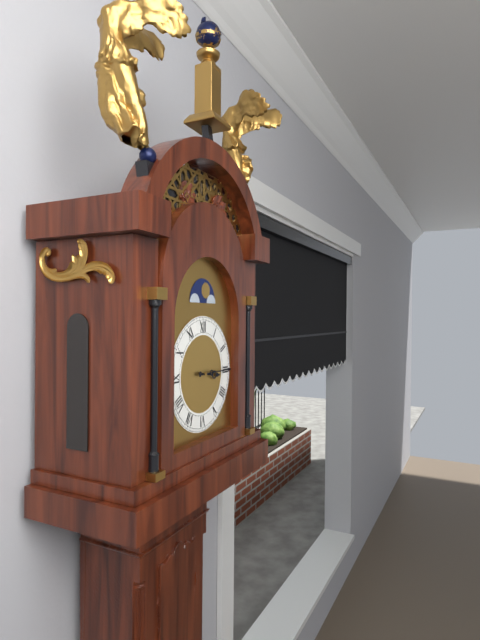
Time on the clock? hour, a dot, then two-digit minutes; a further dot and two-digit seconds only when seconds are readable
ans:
3.15
